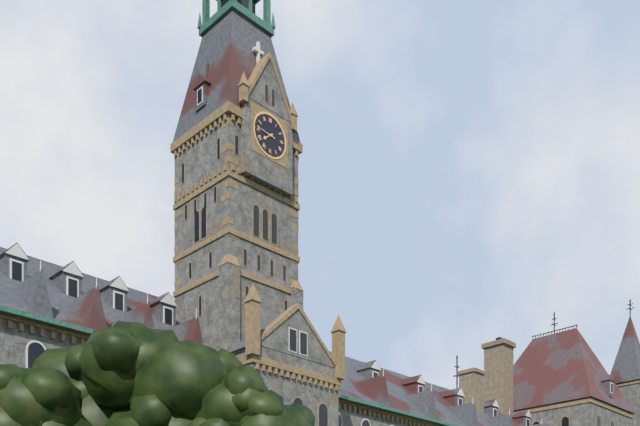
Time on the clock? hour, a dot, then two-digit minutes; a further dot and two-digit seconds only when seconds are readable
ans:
7.46
